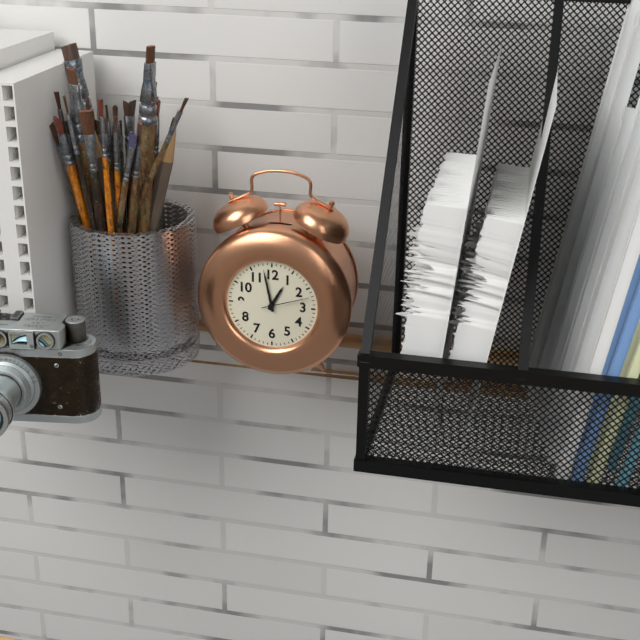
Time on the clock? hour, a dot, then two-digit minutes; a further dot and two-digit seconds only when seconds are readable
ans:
12.58
